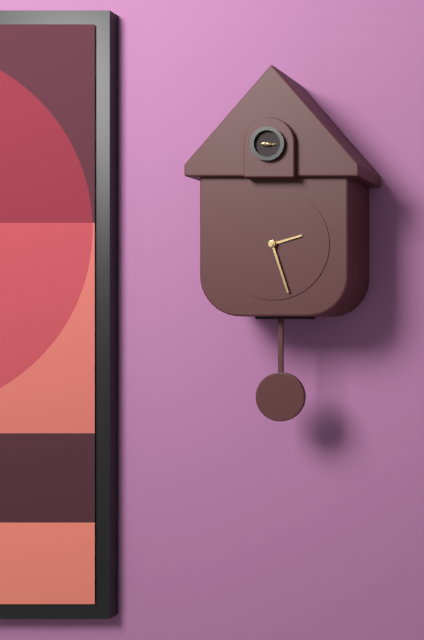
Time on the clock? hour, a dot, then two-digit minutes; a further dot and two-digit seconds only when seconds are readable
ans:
2.27
